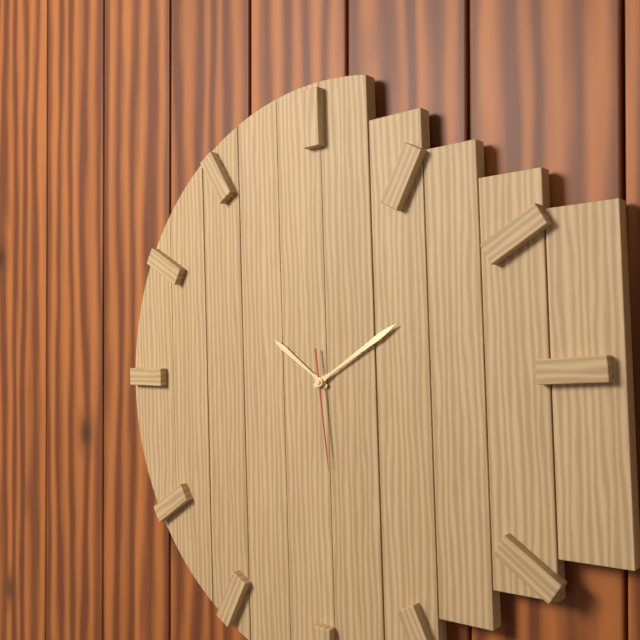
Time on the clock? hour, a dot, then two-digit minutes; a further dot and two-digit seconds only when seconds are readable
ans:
10.10.29
